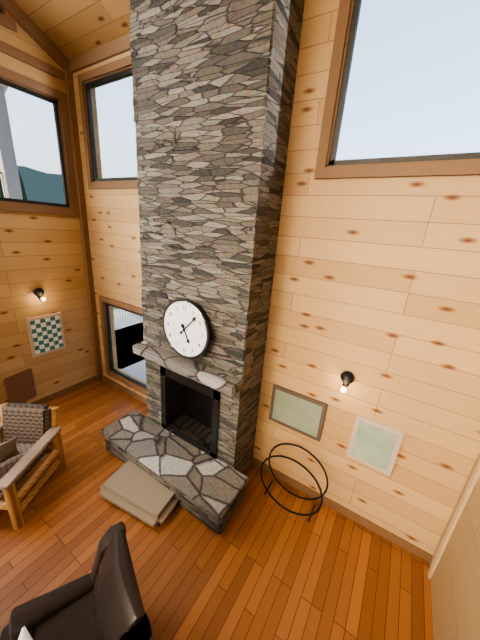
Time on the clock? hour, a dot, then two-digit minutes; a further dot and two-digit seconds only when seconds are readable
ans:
5.07
